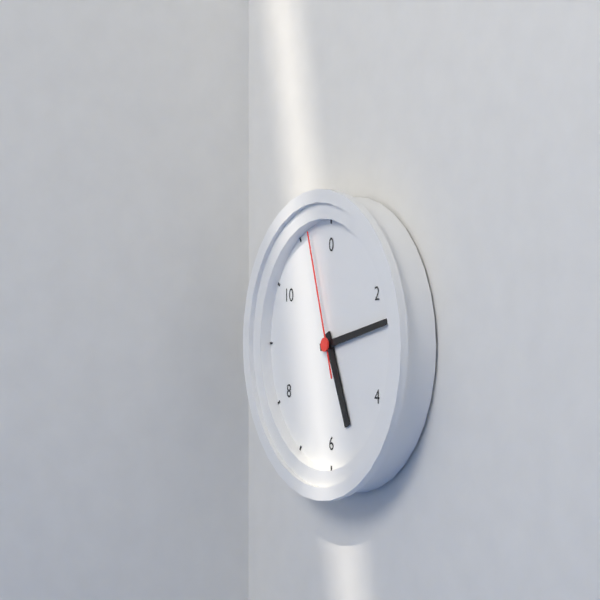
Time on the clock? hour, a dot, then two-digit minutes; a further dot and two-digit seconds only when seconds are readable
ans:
5.13.57
